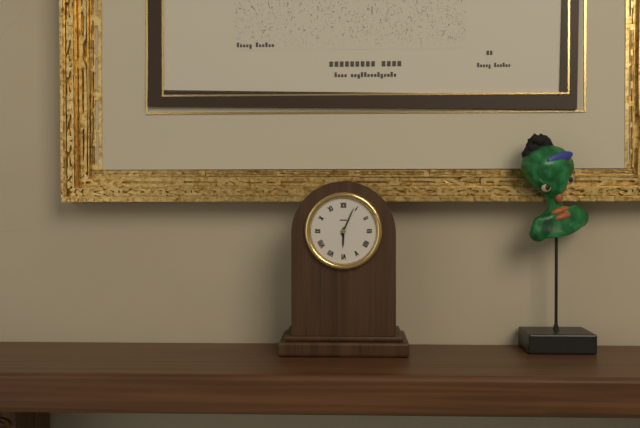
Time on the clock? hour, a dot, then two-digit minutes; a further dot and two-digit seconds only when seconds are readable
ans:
6.04
